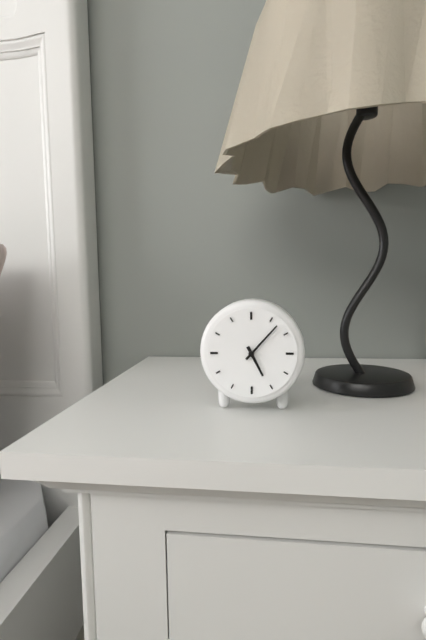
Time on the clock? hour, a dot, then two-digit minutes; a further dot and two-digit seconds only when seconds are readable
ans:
5.07
